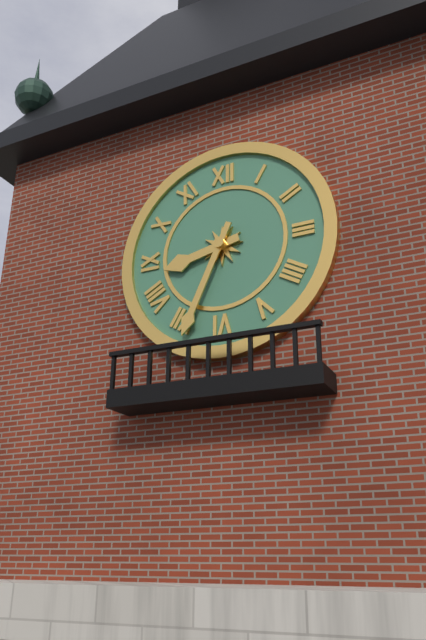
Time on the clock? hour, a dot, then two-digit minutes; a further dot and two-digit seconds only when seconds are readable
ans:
8.34
